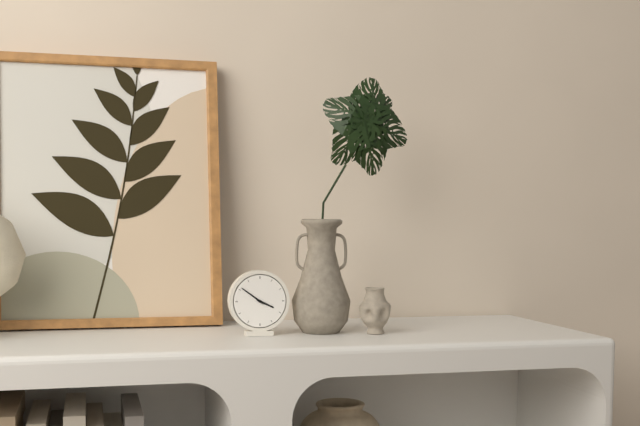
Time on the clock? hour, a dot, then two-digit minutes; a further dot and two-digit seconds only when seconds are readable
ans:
3.51
